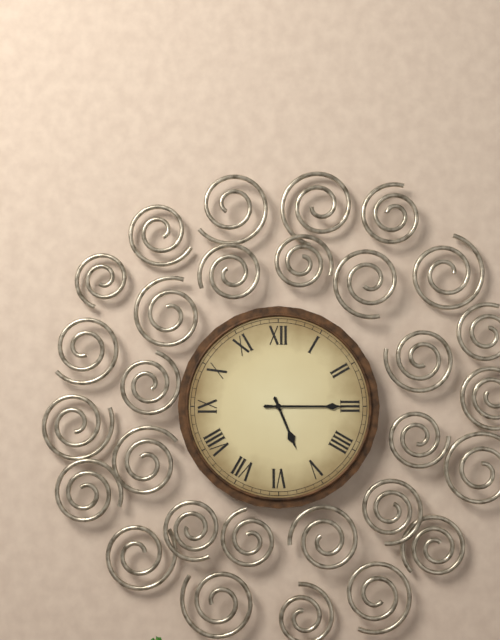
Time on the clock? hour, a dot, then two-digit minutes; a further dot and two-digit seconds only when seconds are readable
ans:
5.15
